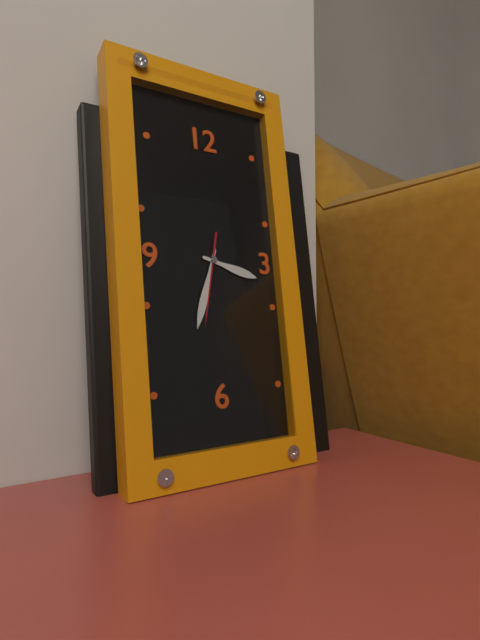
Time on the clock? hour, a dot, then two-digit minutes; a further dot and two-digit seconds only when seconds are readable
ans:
3.33.32
